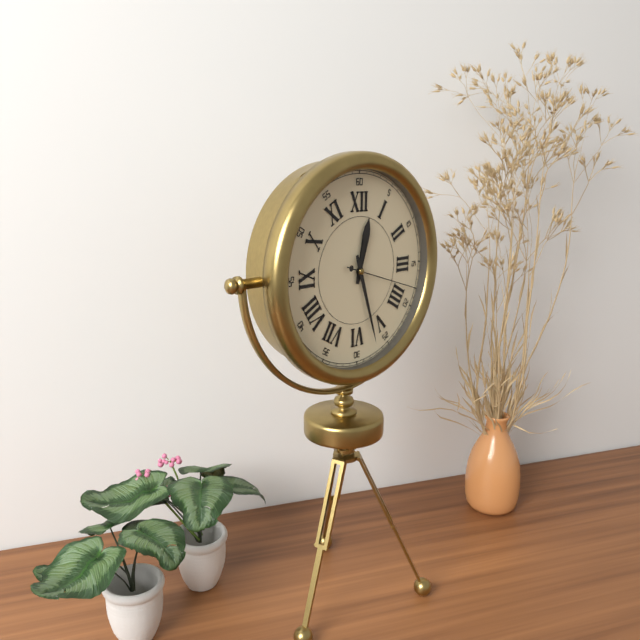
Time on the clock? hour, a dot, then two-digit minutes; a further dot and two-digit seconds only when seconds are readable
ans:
12.27.18
